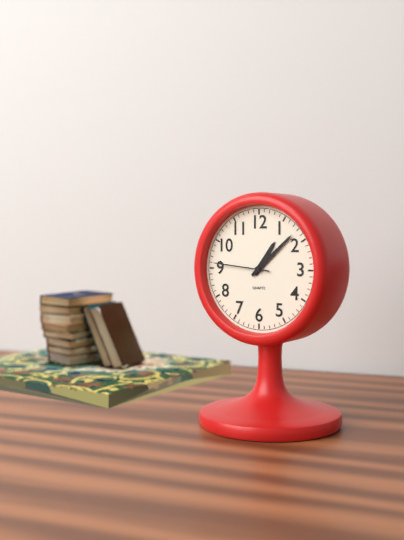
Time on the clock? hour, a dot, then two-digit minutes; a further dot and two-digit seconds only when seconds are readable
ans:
1.08.46
